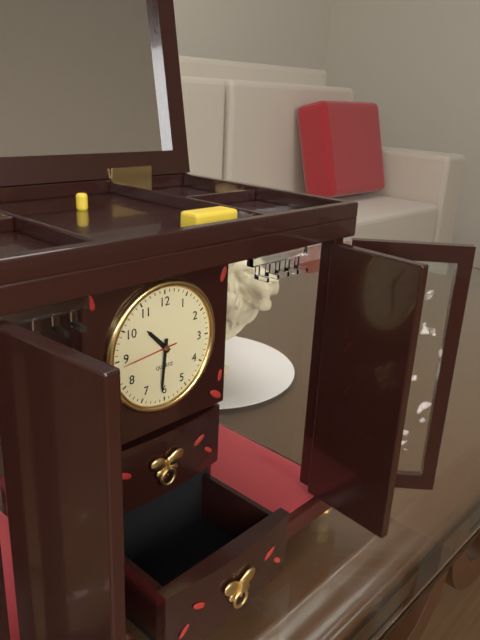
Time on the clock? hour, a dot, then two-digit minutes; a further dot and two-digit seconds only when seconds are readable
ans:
10.31.44
